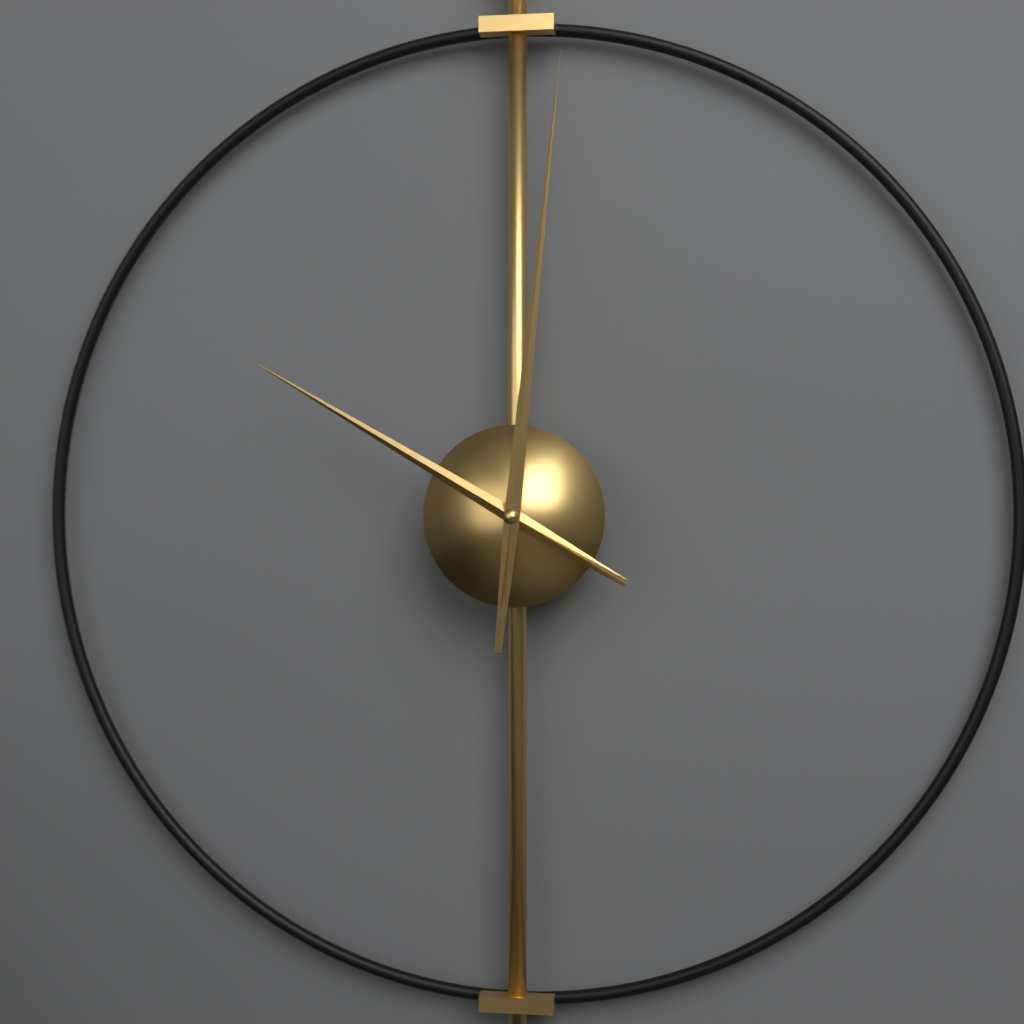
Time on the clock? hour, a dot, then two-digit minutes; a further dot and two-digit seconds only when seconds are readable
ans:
10.01
